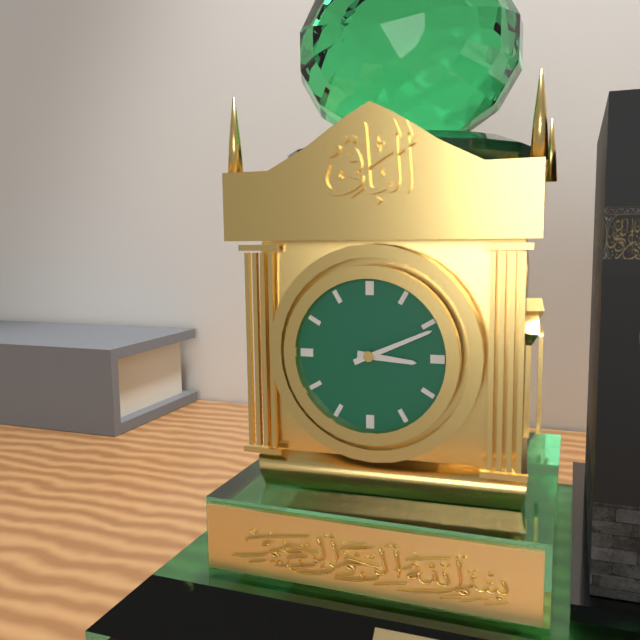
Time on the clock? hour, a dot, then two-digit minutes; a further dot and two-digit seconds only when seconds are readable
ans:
3.11
